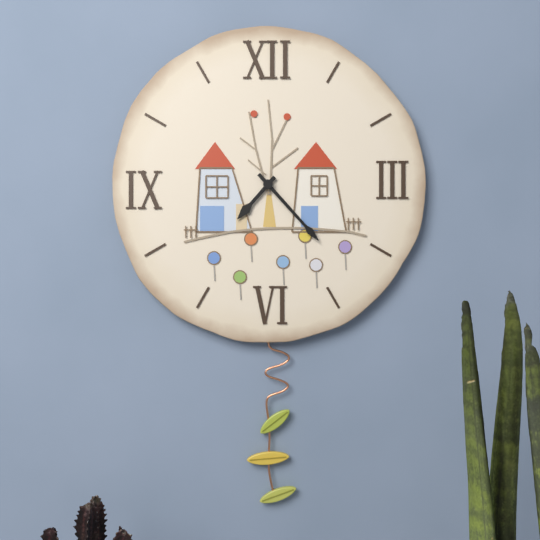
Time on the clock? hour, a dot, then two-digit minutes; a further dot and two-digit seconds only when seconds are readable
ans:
7.23
